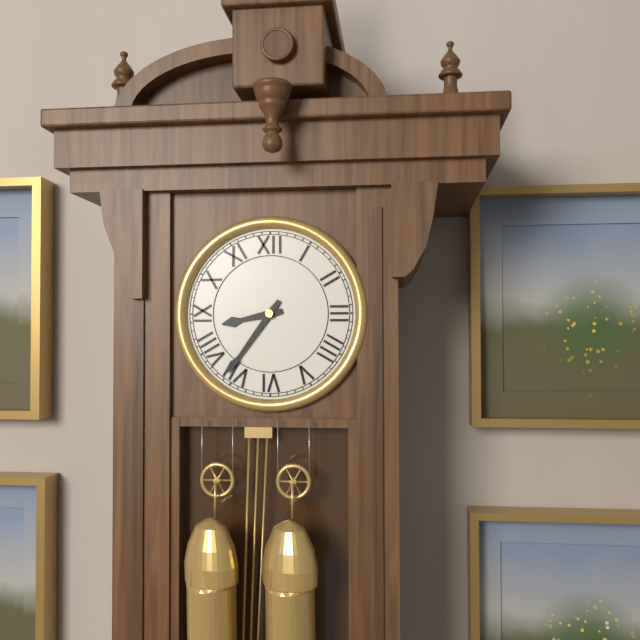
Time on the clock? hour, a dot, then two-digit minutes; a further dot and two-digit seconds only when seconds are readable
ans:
8.36
